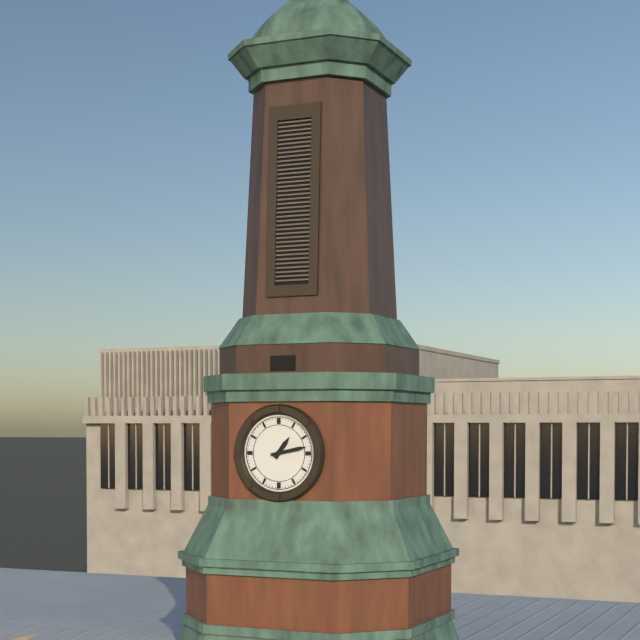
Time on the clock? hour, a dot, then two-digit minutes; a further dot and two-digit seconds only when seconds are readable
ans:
1.13
